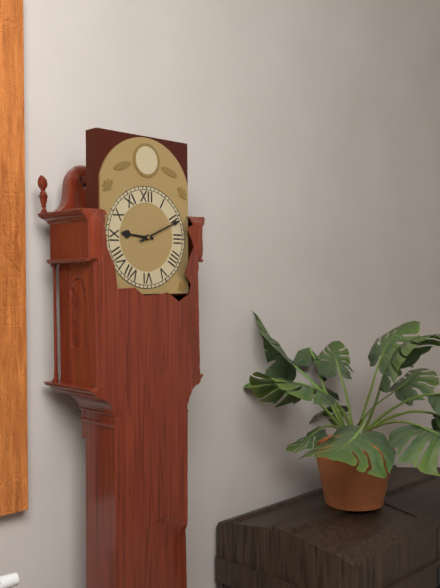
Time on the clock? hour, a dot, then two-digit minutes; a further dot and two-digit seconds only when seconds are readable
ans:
9.11
